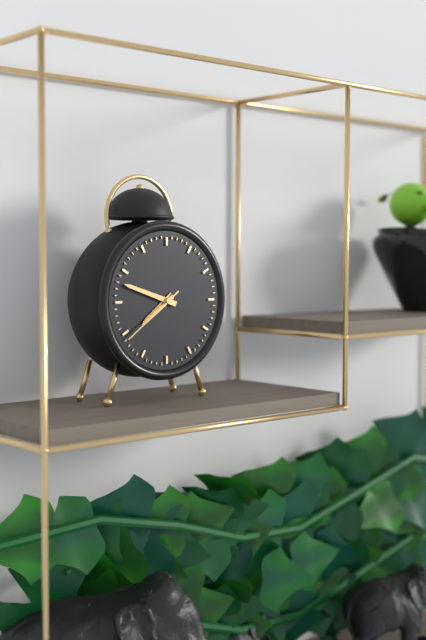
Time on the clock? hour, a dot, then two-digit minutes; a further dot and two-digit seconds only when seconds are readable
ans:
7.48.39
